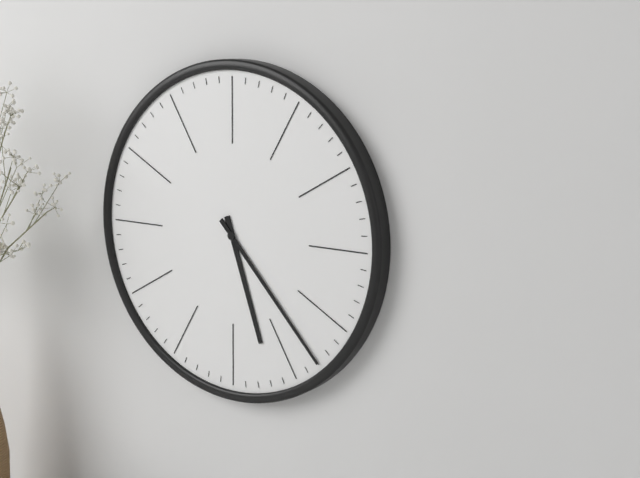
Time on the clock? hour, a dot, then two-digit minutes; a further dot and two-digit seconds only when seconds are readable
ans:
5.23
